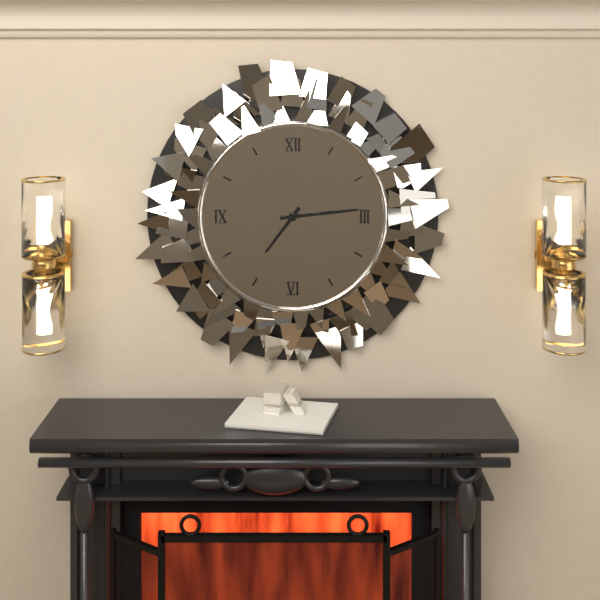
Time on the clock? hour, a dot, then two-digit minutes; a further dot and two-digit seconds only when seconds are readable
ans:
7.14
